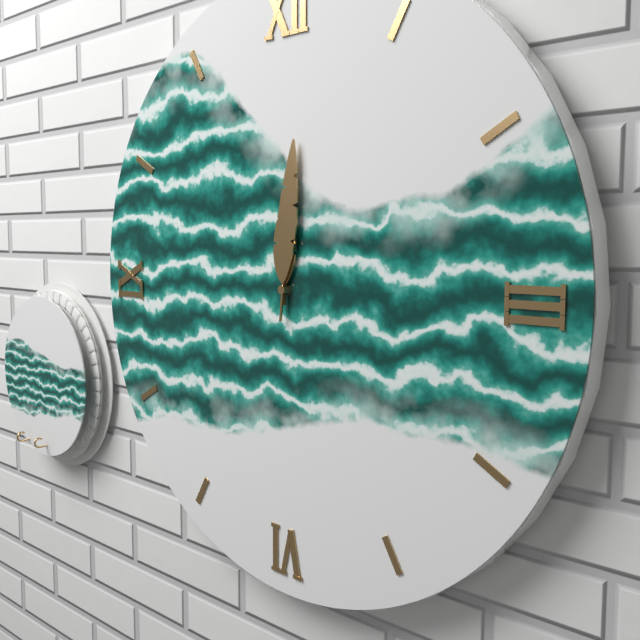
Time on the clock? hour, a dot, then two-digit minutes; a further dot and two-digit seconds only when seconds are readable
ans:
12.01
